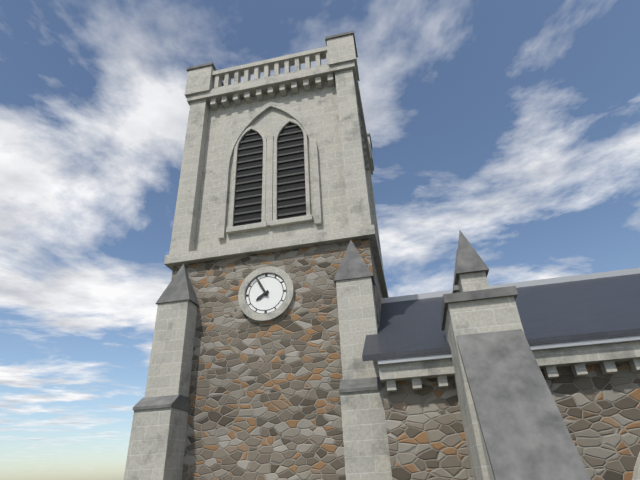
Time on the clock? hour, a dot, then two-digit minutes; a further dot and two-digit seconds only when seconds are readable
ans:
7.55
